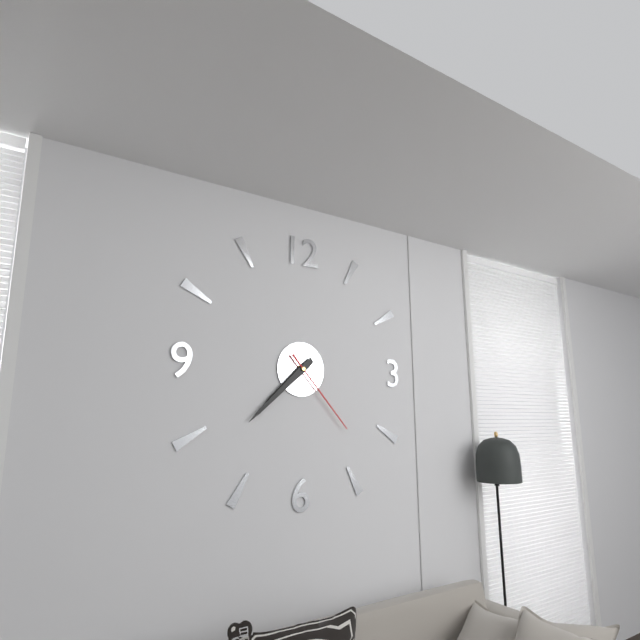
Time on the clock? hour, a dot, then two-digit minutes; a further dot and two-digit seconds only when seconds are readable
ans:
7.38.23
